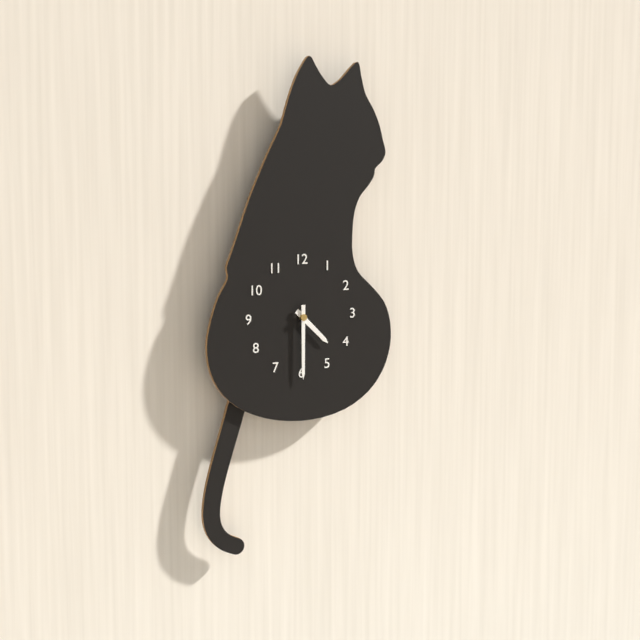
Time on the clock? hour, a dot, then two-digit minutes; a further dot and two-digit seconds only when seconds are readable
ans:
4.30
